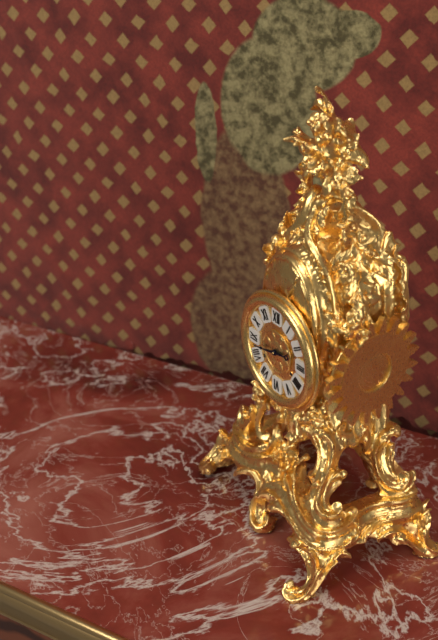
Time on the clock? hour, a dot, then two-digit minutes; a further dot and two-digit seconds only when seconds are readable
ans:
2.43
